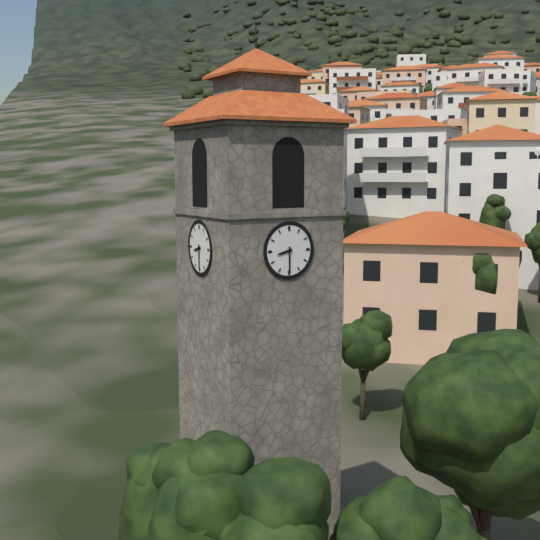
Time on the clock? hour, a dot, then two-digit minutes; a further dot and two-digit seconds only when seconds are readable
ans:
8.30
